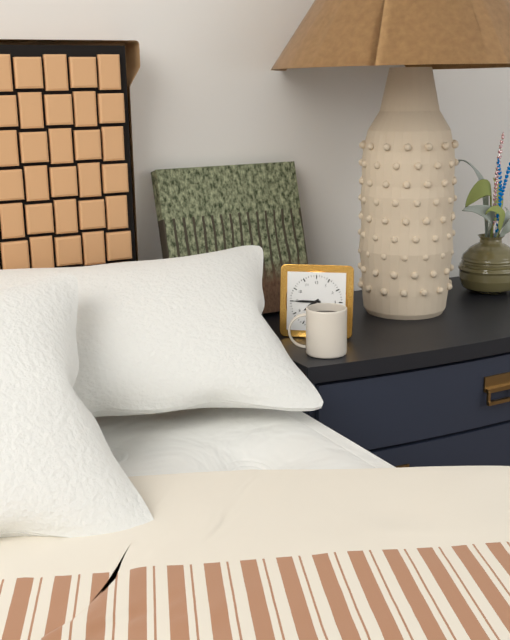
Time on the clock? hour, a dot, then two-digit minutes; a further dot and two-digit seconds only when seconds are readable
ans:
7.45
